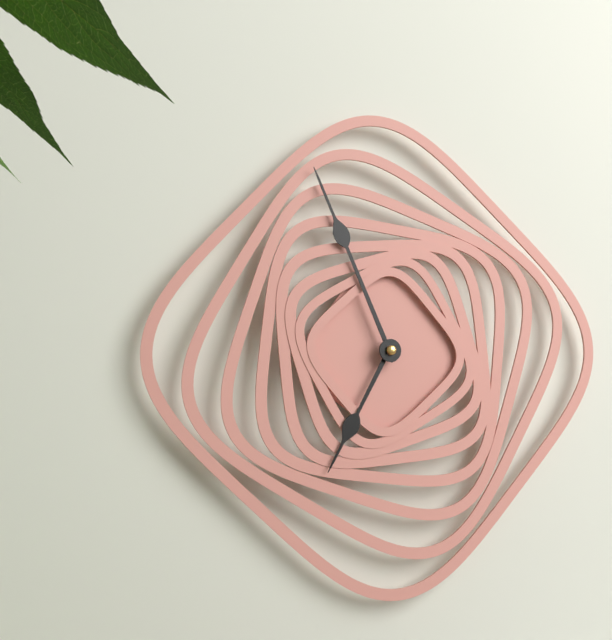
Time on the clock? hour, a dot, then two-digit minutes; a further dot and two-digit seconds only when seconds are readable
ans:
6.56
